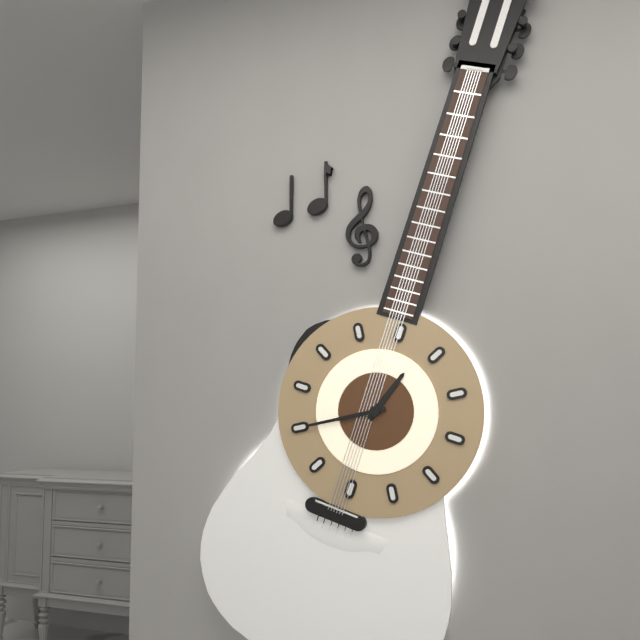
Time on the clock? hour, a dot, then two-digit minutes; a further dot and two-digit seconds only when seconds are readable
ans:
12.40
